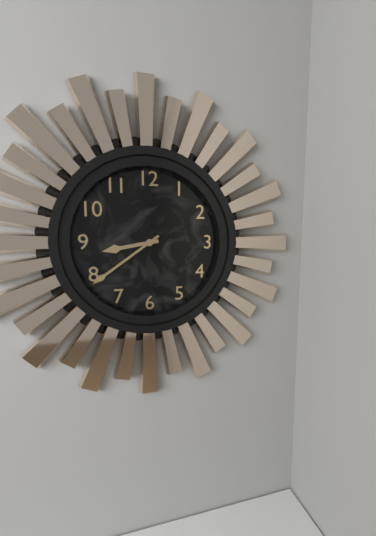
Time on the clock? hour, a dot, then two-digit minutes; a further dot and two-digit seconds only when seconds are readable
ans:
8.39
